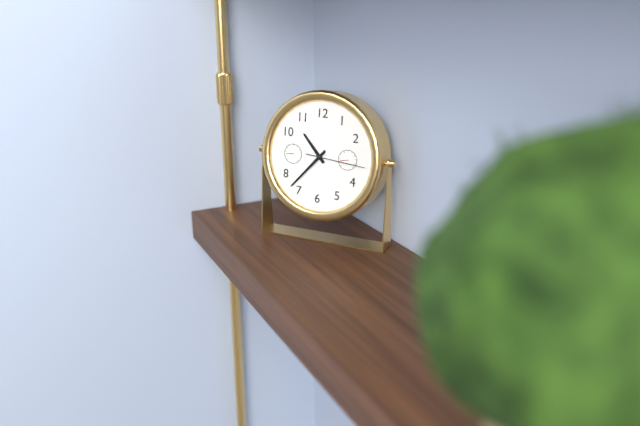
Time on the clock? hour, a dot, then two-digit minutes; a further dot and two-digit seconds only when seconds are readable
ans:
10.37.16
